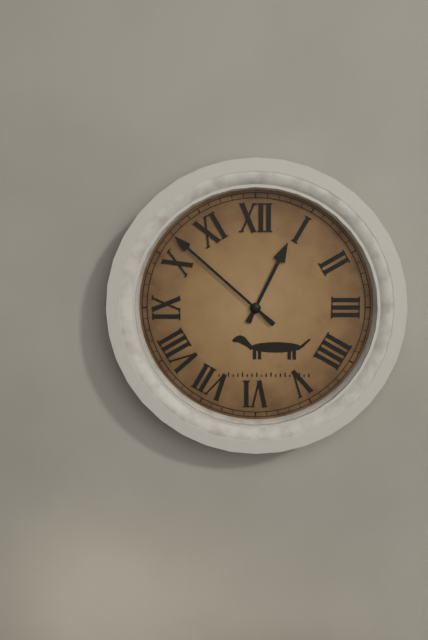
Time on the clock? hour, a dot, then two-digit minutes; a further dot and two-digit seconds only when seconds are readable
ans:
12.52
